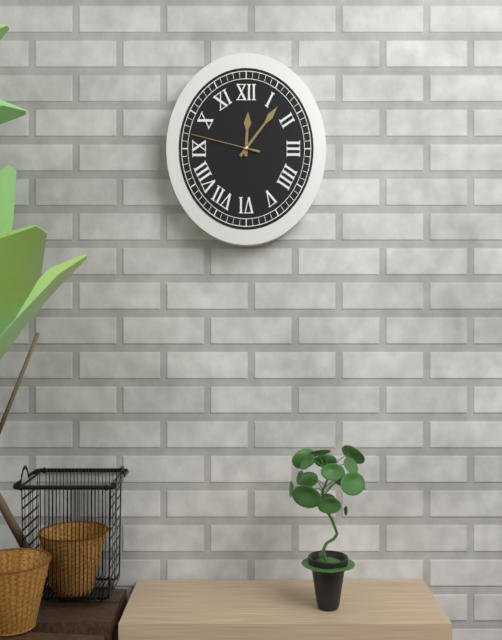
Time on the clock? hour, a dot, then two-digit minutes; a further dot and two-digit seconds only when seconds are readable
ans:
12.07.47
